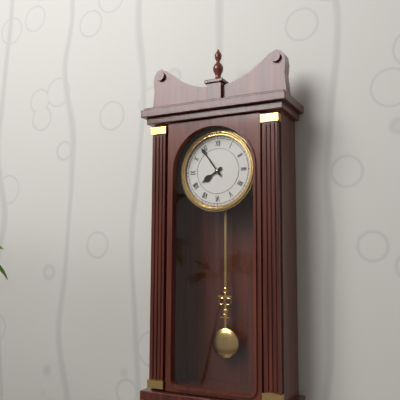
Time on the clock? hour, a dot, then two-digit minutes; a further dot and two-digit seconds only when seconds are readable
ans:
7.54
